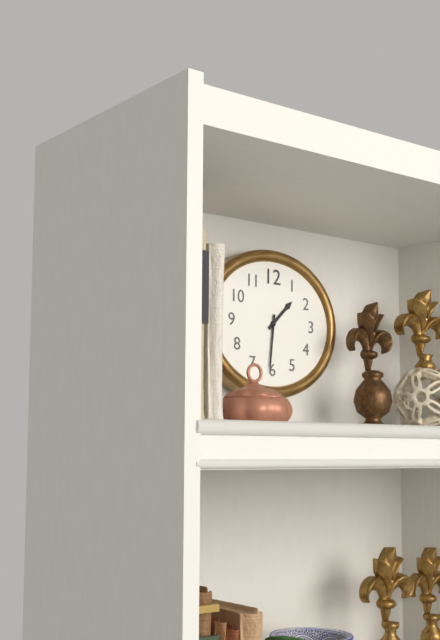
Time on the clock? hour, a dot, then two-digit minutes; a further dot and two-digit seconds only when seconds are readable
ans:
1.31
